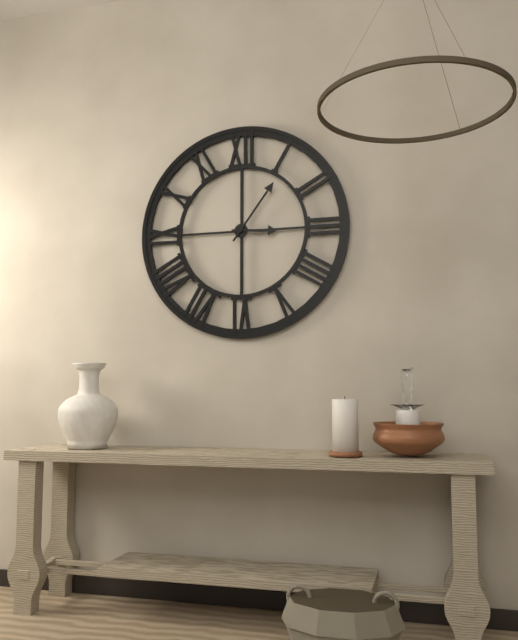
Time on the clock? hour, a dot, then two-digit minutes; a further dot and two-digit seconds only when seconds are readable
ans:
3.06
